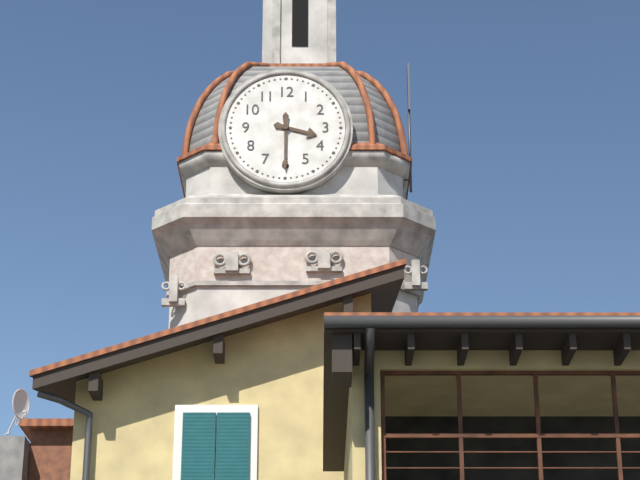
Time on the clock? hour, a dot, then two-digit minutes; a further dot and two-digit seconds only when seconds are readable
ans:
3.30
